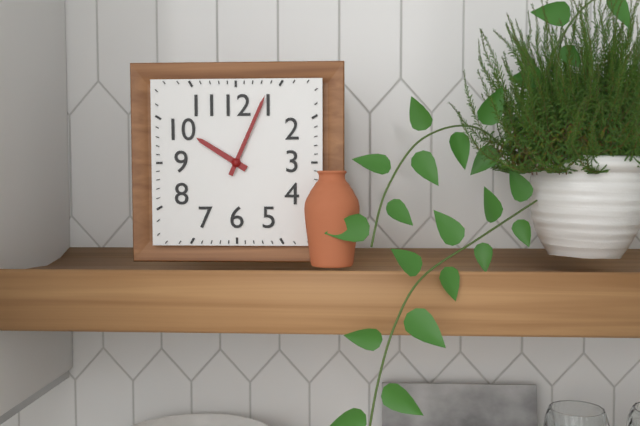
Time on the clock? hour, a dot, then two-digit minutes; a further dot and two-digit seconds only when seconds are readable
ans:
10.04
